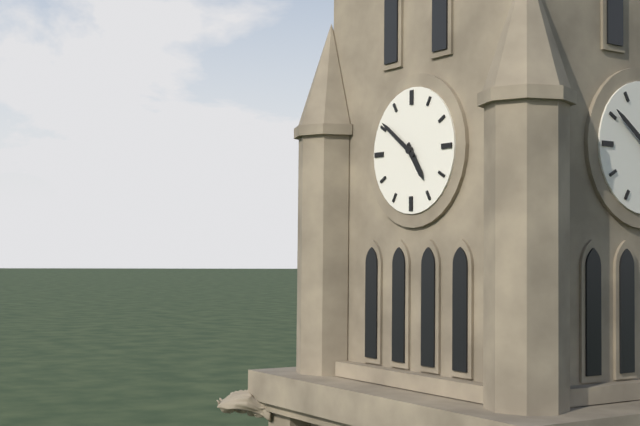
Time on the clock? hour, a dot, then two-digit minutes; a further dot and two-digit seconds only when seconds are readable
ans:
4.51
